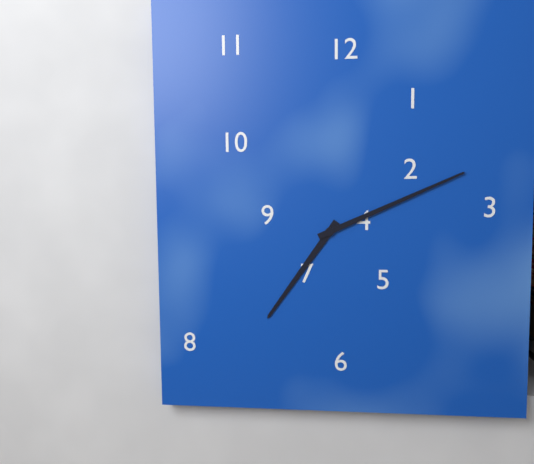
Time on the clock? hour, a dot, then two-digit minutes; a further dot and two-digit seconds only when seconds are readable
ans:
7.11
